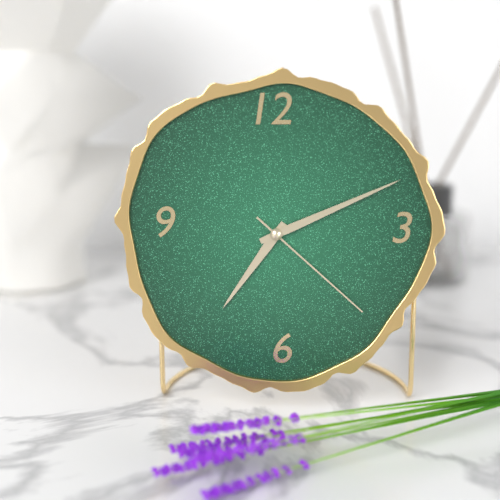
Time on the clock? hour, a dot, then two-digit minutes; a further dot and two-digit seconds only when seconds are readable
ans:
7.11.22
